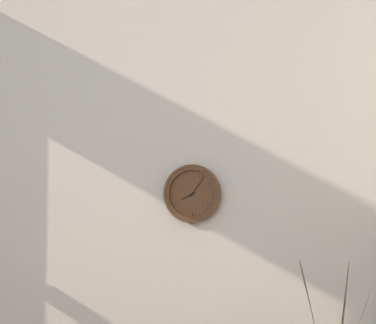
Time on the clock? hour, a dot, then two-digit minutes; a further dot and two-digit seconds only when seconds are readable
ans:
8.06
